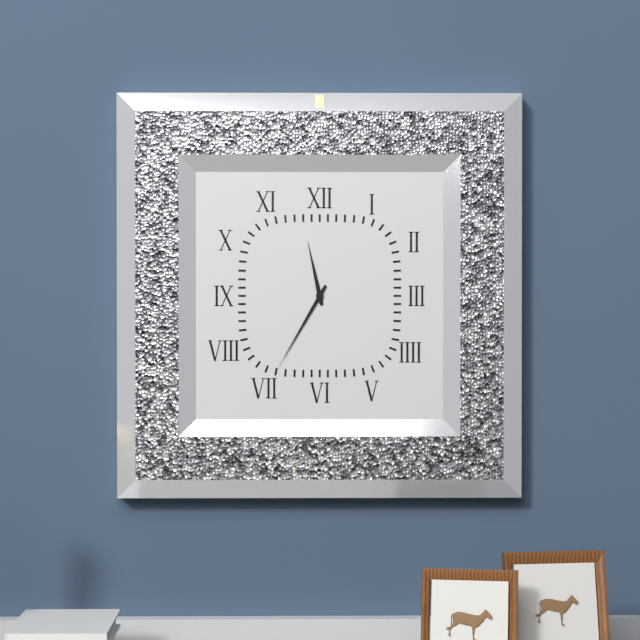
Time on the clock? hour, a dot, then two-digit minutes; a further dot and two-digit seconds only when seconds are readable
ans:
11.35
